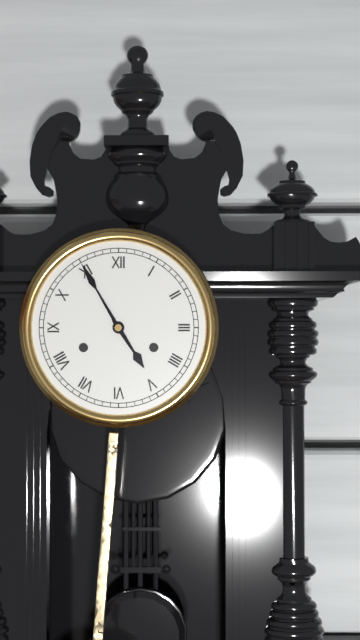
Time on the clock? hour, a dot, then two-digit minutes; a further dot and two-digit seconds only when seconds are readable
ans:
4.55
